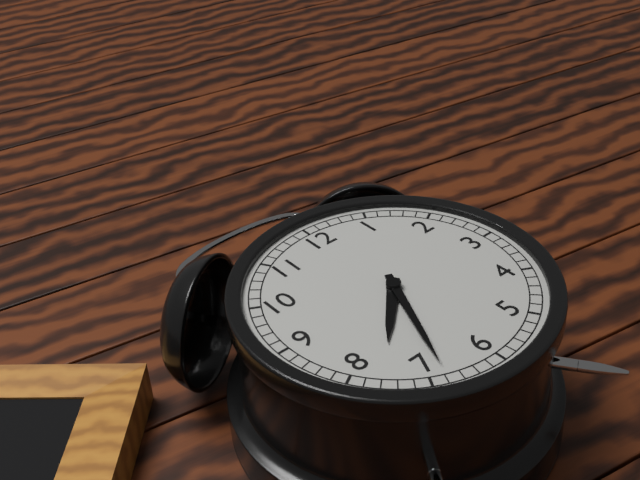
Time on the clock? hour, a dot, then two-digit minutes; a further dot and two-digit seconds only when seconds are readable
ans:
7.34
